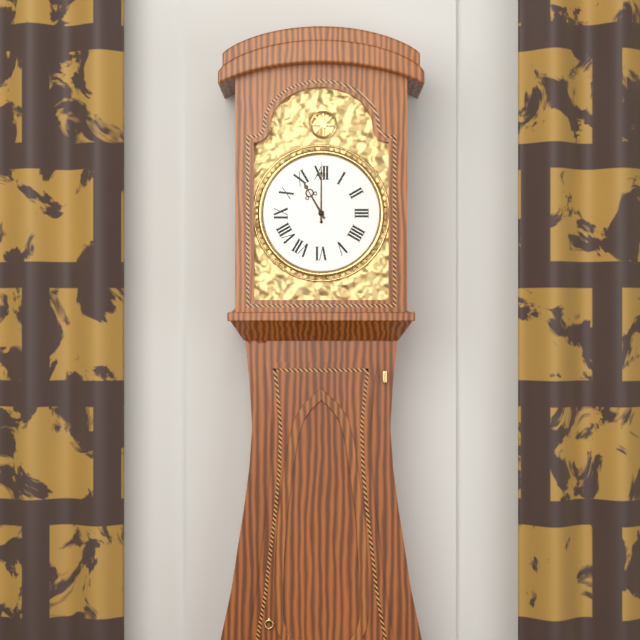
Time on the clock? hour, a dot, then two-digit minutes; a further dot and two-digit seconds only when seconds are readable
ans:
11.00
